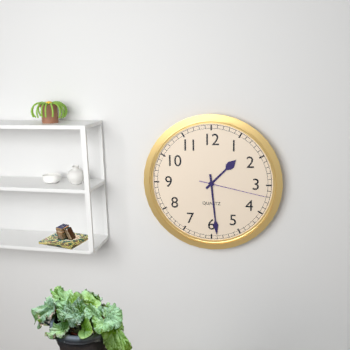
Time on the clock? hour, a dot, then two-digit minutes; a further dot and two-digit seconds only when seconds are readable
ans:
1.29.17
